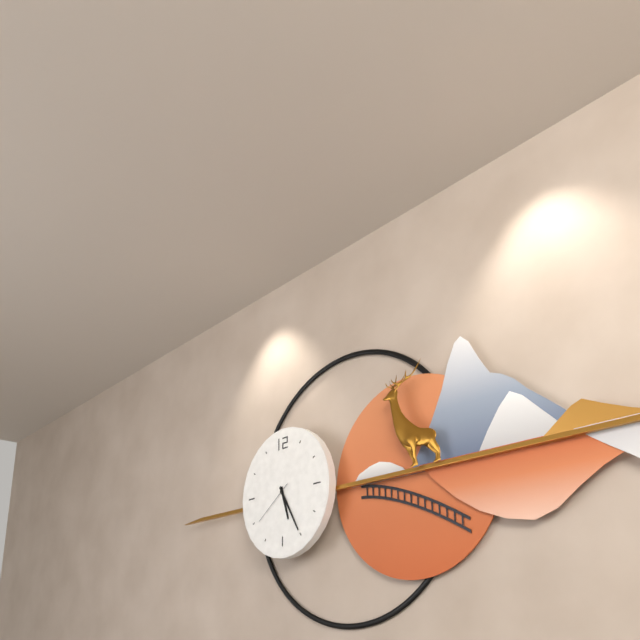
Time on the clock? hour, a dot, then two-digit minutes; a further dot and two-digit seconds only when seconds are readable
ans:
5.25
